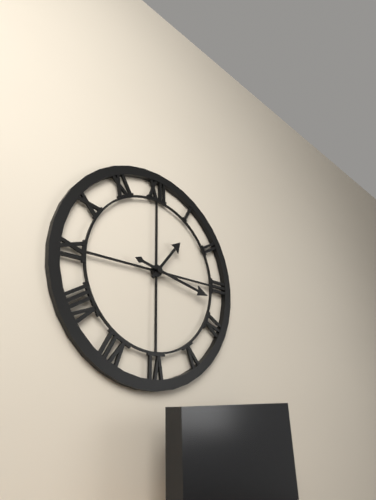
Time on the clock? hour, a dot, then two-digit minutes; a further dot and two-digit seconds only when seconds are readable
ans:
1.17
